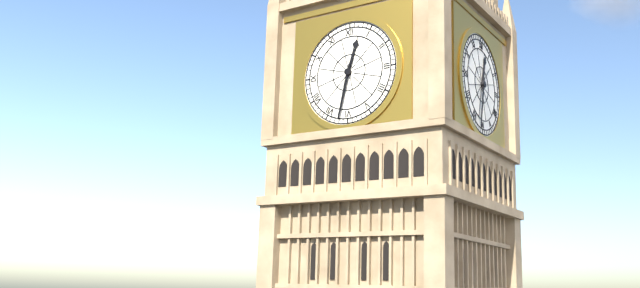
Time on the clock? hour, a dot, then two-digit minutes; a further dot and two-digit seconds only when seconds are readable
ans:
12.32
